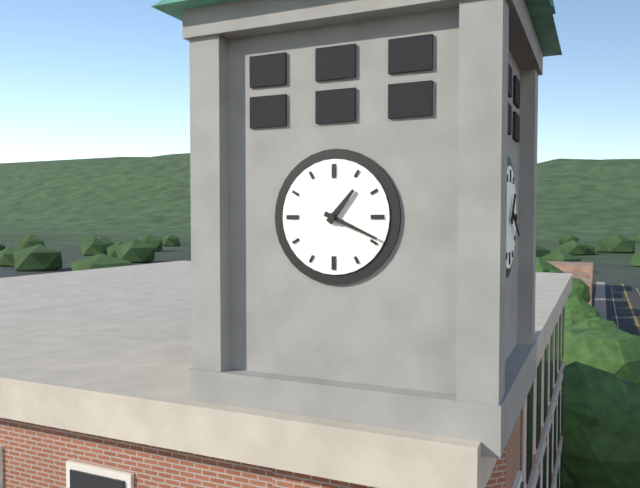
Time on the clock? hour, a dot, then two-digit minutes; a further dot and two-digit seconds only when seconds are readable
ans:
1.19
